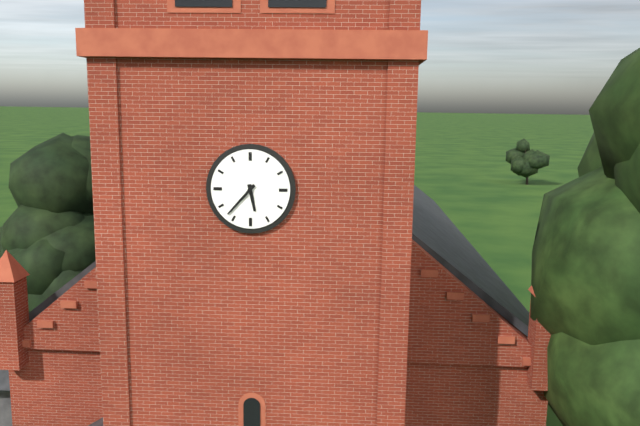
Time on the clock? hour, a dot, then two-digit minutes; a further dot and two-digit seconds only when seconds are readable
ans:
5.37
